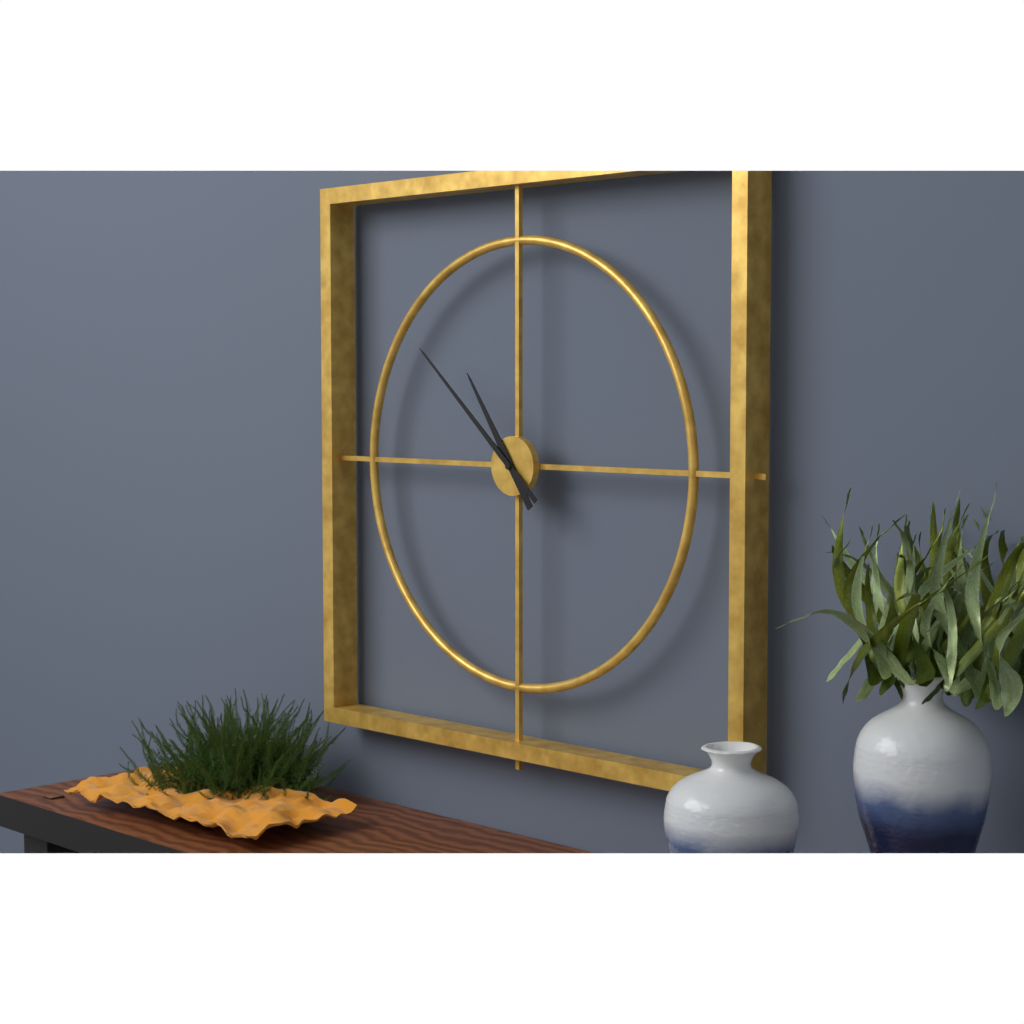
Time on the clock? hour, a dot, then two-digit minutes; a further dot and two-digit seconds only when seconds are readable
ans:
10.52
